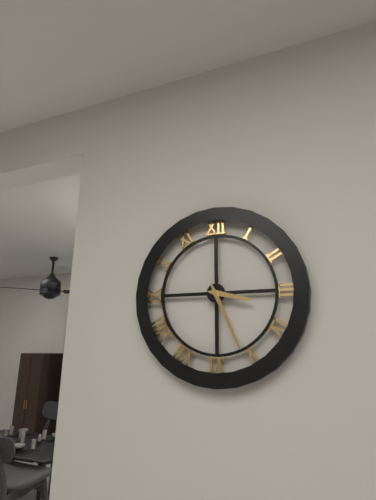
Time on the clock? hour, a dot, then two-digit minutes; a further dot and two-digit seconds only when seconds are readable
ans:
3.26
